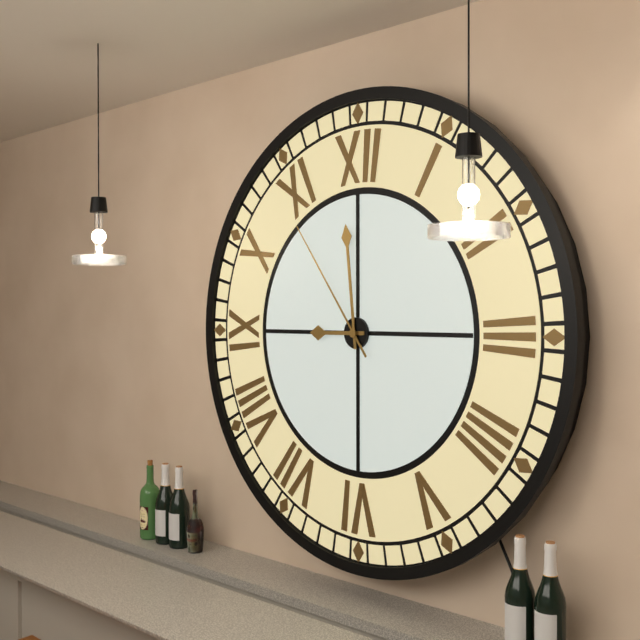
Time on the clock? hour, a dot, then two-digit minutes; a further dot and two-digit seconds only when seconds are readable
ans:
8.59.54
